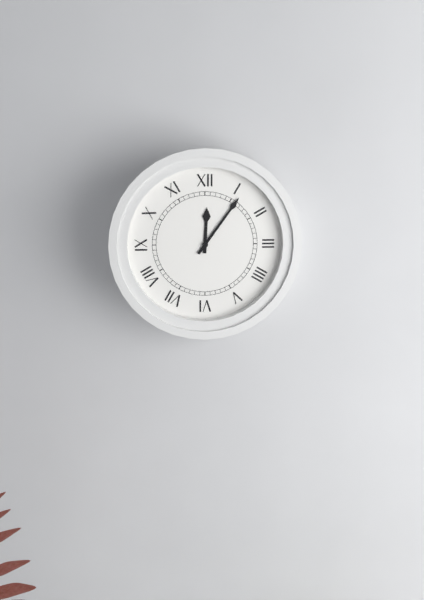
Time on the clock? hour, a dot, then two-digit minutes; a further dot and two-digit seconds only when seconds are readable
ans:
12.06
